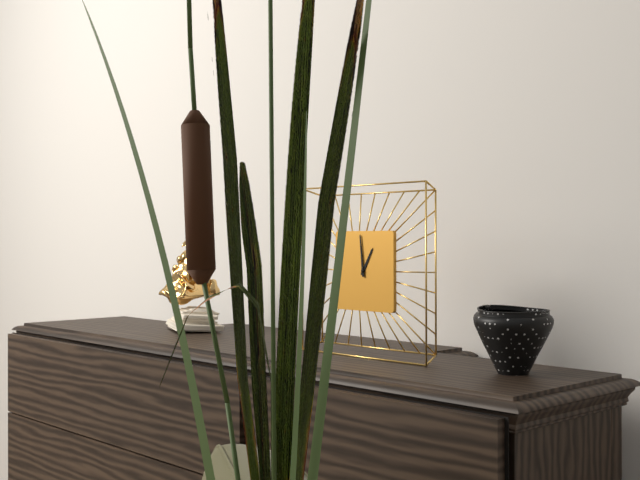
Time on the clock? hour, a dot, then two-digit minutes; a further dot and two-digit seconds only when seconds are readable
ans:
12.59
